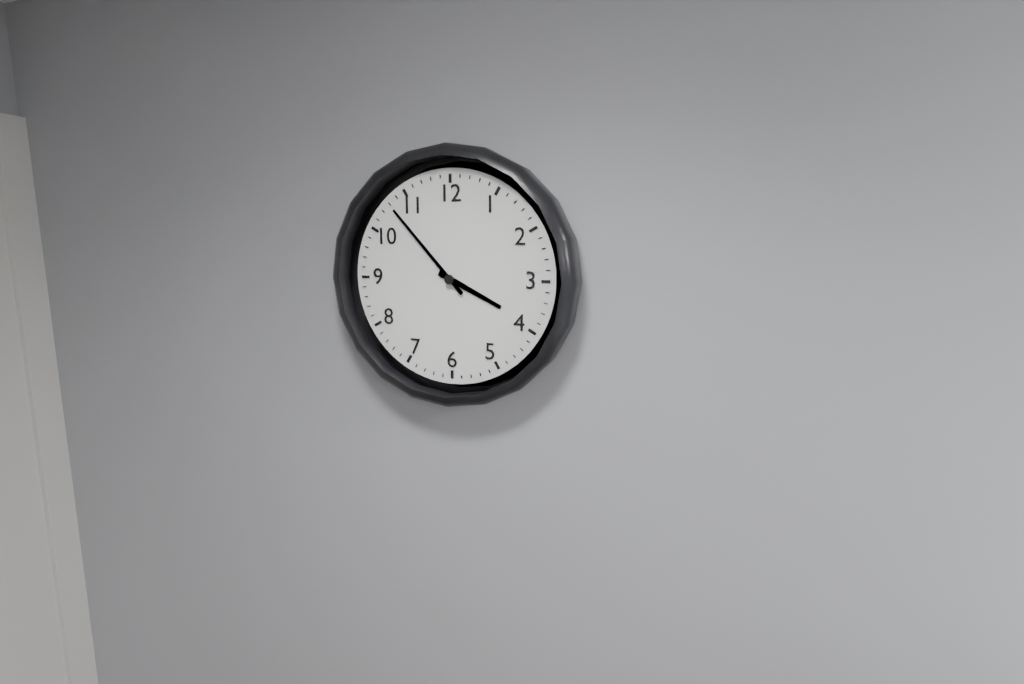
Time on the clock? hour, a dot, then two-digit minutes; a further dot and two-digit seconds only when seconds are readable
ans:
3.53
